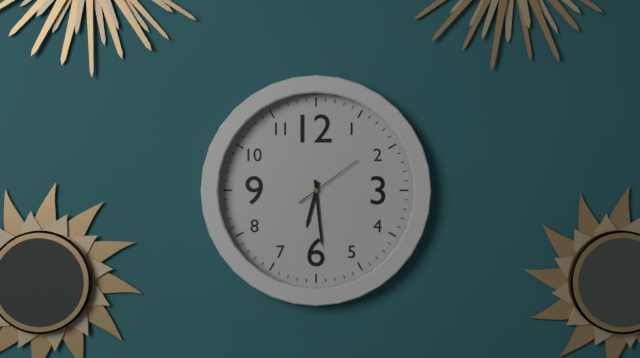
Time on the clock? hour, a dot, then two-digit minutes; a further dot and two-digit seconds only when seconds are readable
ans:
6.29.09
